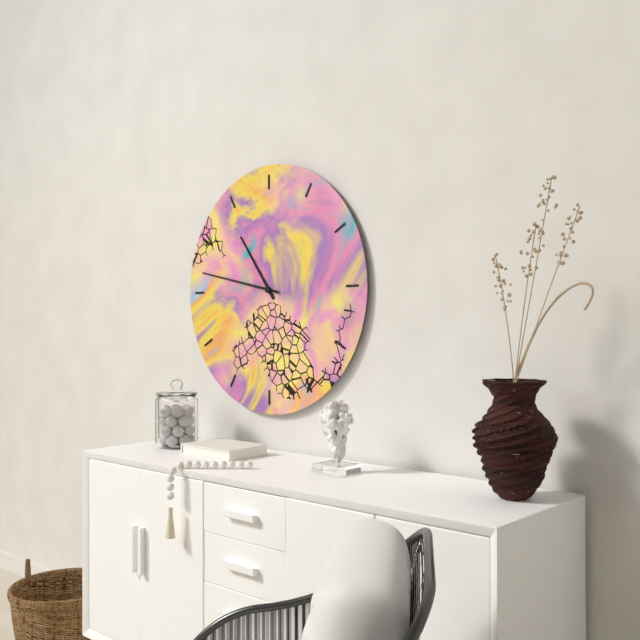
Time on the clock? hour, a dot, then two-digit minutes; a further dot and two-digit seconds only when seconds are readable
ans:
10.47
